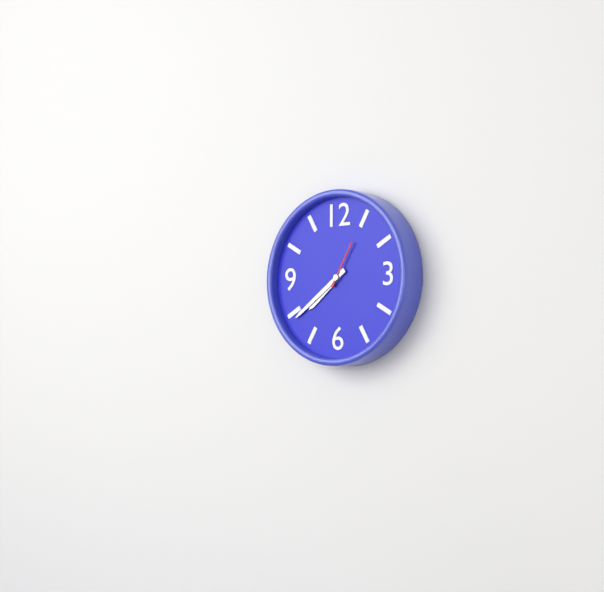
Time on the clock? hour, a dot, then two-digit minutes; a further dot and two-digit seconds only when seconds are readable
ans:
7.39
